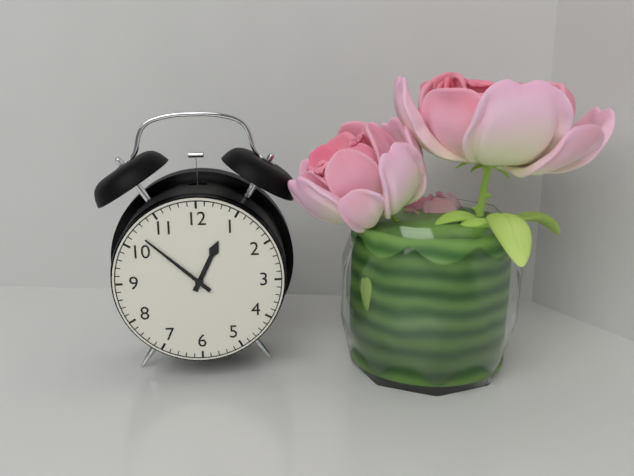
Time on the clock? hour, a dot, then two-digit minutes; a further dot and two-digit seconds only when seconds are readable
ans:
12.52
